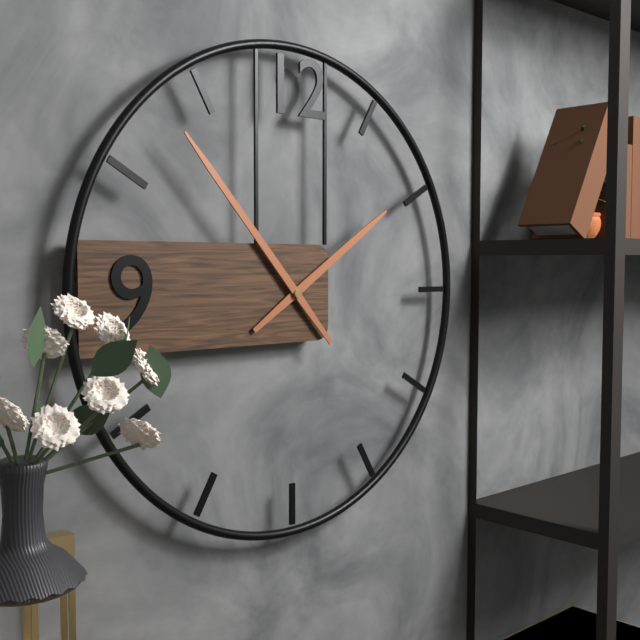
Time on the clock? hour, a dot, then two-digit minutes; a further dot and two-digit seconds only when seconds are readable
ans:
1.53
